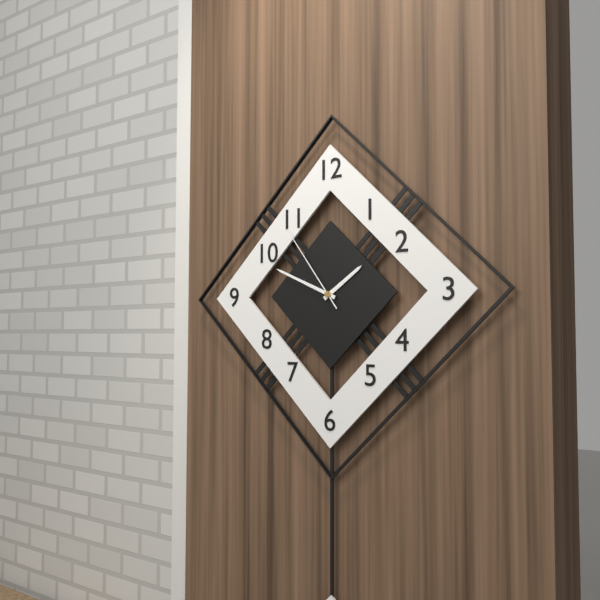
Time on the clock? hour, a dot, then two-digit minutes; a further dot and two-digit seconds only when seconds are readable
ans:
1.49.54
